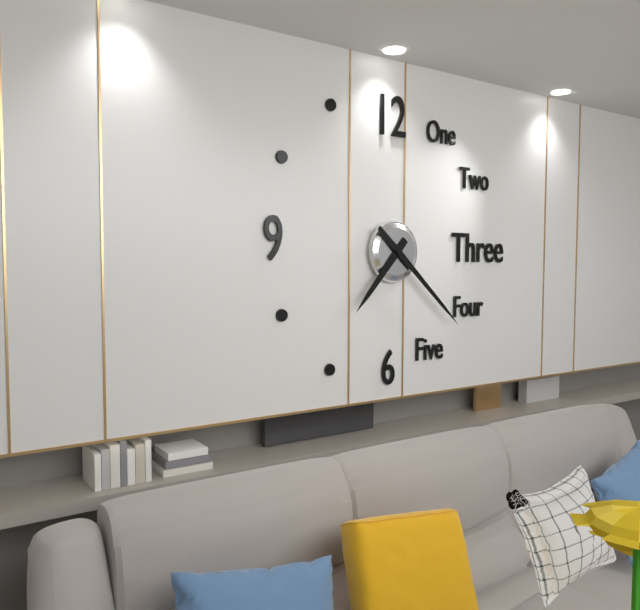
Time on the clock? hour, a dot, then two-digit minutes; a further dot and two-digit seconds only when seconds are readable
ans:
7.22
